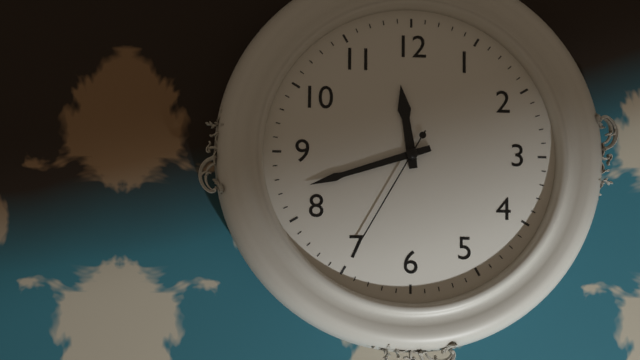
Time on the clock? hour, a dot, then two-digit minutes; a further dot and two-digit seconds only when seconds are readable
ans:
11.42.35
